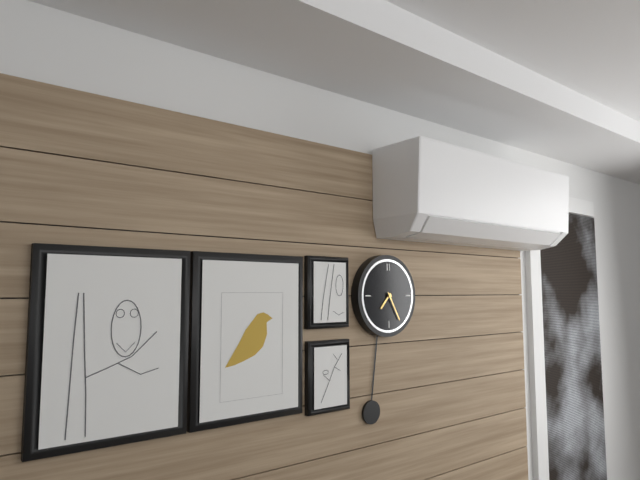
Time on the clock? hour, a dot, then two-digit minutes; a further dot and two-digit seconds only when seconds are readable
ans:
7.25
